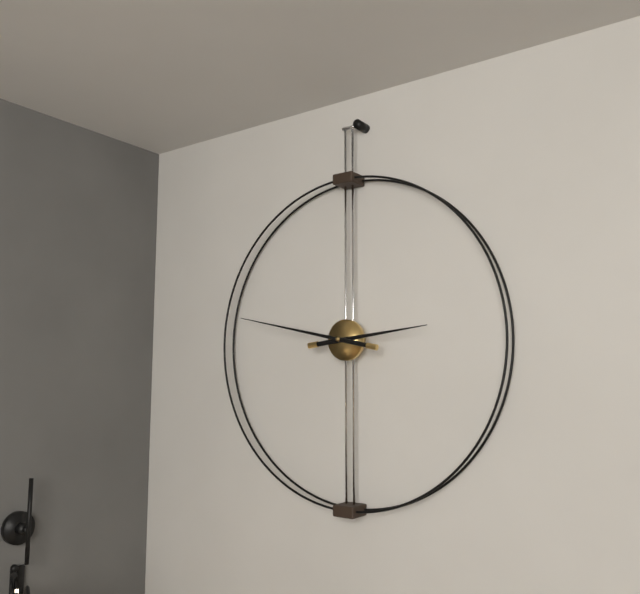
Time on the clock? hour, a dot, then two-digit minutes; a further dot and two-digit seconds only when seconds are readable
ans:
2.47
